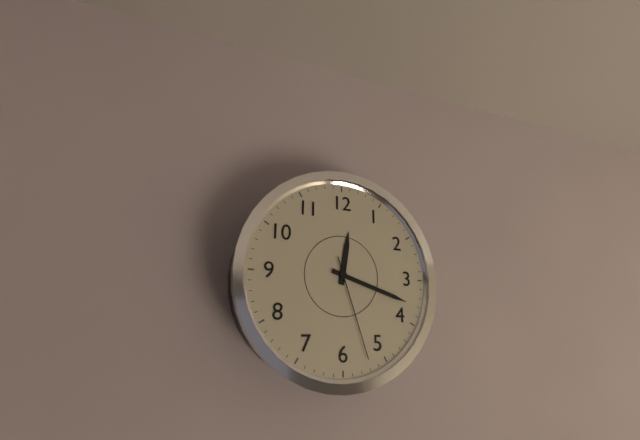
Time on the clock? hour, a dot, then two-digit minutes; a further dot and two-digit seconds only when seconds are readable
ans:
12.18.27
